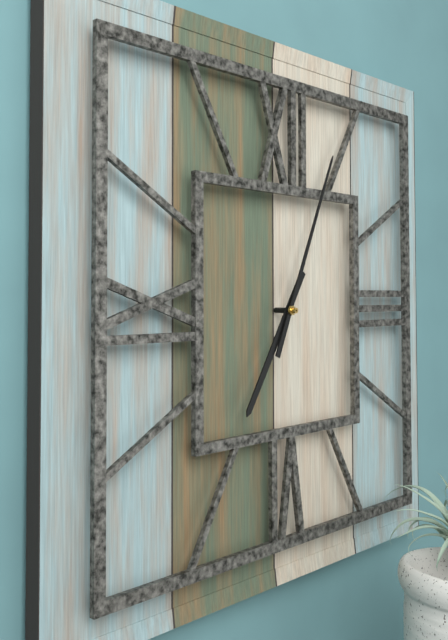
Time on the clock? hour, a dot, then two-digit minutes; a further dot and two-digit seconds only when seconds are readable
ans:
7.04
